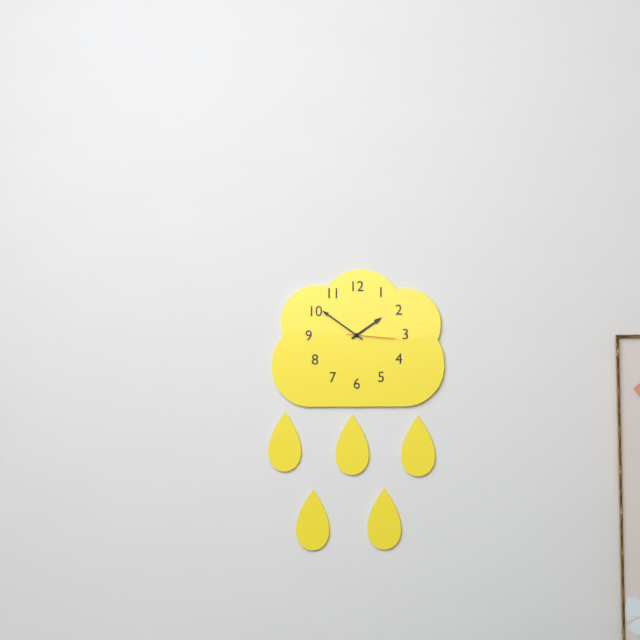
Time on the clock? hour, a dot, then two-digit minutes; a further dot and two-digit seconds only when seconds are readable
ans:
1.51
